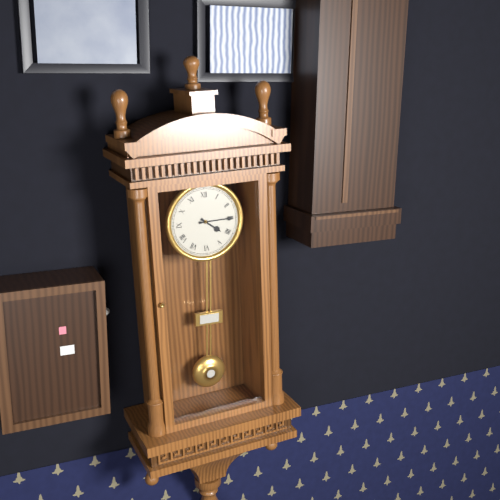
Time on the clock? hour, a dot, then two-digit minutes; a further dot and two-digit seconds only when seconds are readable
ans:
4.15
